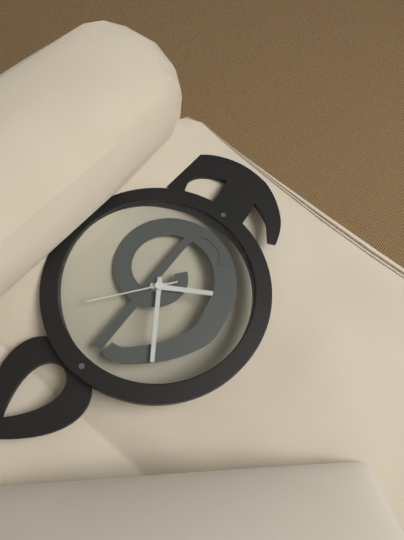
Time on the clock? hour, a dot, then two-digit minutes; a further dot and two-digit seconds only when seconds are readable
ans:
7.54.06
